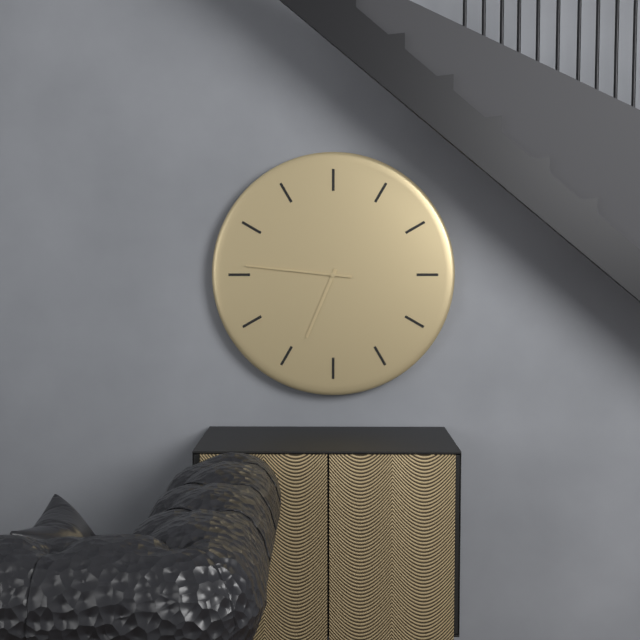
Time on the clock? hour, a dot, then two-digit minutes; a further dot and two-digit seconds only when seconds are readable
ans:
6.46
